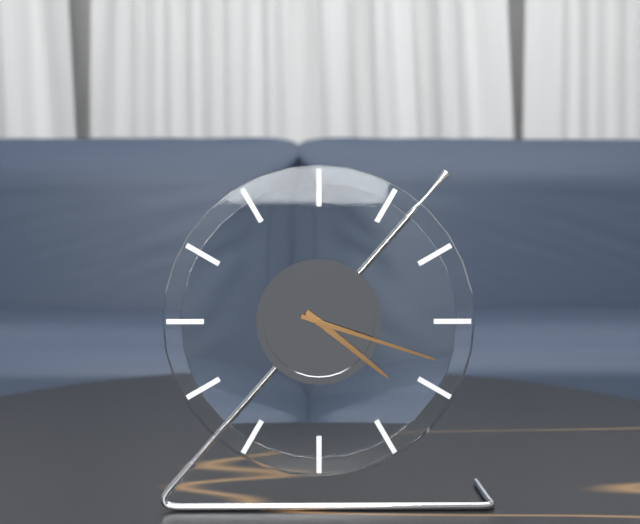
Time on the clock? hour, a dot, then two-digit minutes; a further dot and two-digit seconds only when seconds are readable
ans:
4.18
